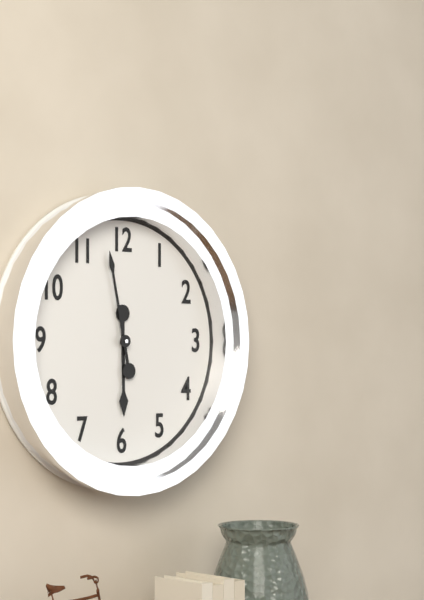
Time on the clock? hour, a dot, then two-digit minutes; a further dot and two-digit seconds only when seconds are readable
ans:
5.58
